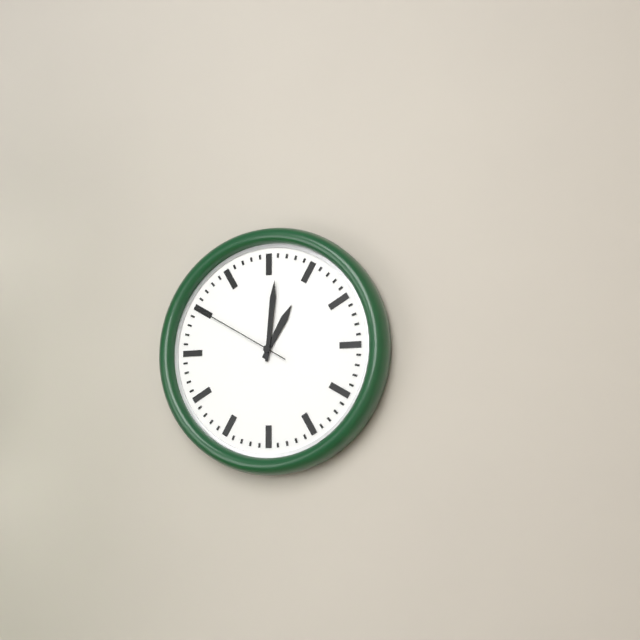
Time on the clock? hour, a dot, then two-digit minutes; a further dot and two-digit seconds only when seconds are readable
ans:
1.01.50
